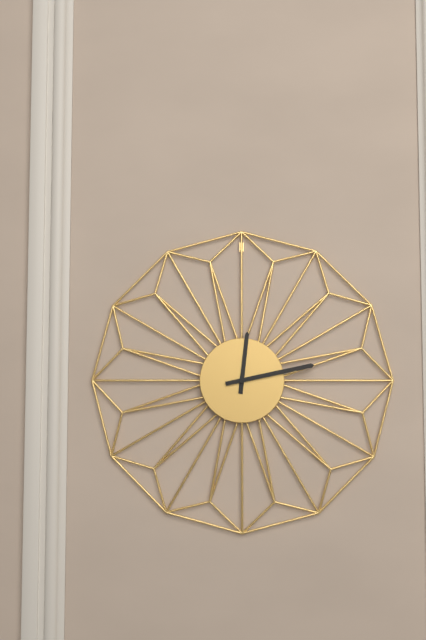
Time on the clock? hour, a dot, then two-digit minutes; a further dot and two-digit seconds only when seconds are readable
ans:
12.13
